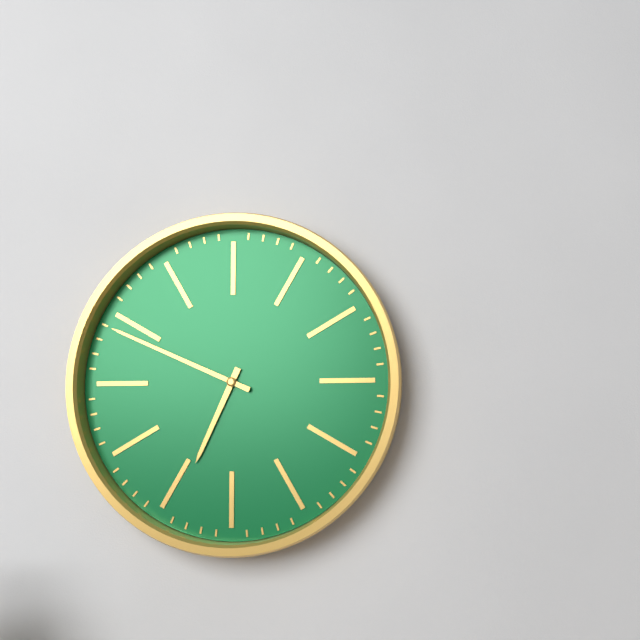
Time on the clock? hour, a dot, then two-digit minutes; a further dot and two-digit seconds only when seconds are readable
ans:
6.49
